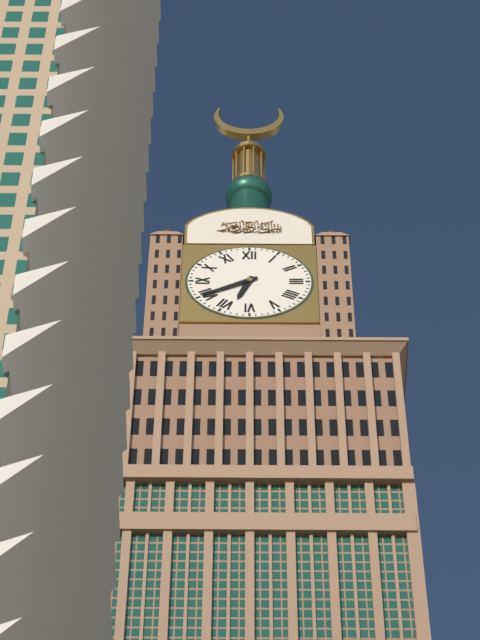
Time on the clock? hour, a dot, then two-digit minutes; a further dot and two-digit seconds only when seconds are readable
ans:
6.40
